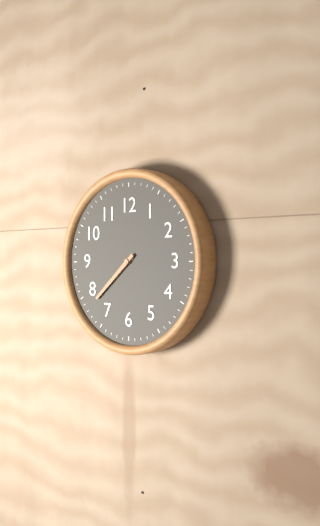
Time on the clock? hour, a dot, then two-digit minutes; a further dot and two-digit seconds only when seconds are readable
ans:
7.38
